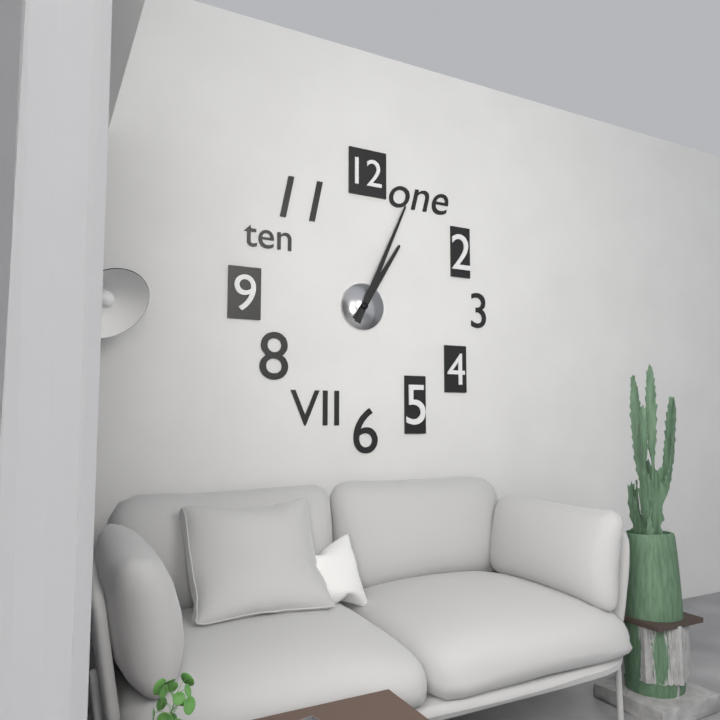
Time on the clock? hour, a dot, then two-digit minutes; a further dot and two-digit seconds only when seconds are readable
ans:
1.04
